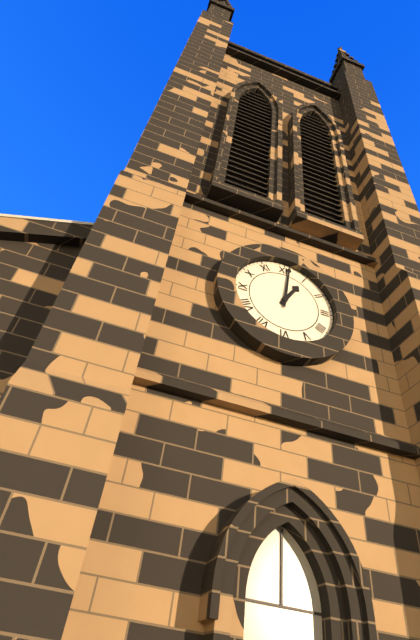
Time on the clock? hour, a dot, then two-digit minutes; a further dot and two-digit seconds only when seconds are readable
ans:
1.01
